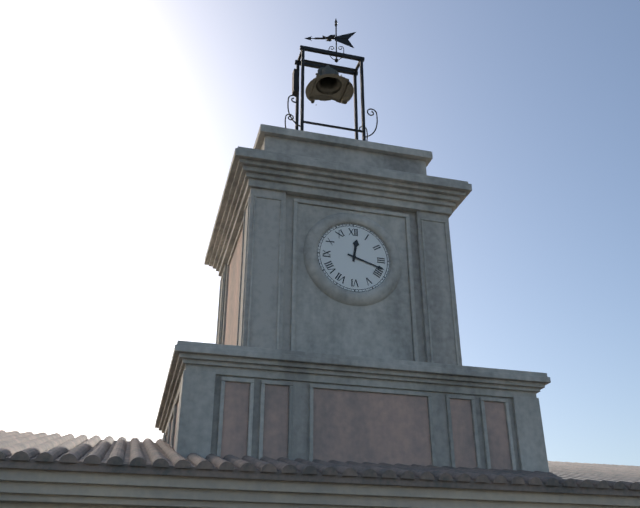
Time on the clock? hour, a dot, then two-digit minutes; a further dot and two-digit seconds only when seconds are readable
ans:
12.18
